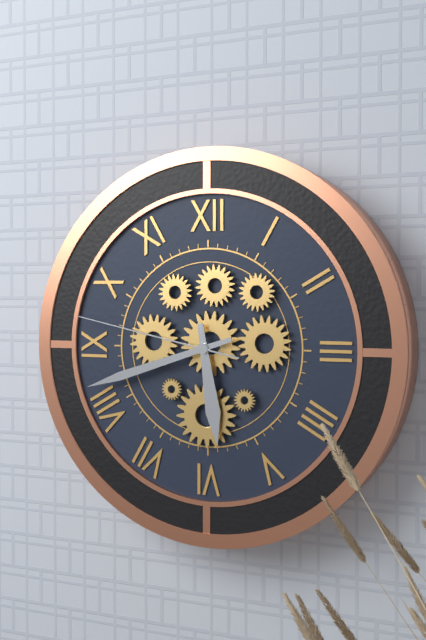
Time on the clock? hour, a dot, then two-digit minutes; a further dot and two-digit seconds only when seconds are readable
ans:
5.42.47
